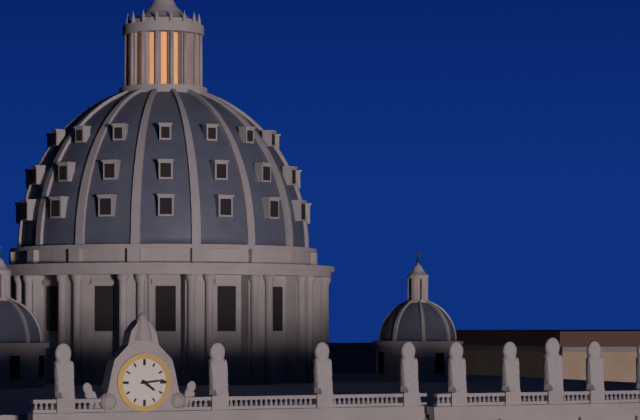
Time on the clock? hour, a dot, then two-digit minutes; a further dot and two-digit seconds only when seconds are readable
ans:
4.14
